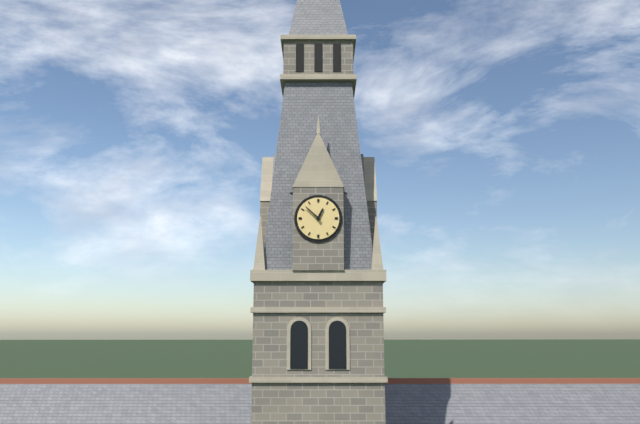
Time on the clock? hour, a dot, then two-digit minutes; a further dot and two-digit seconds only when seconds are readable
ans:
12.52
